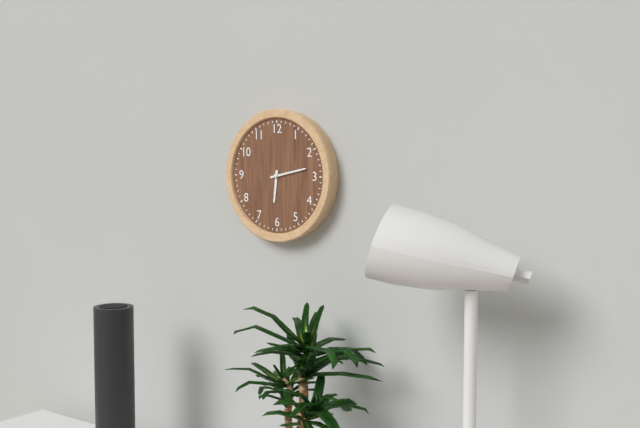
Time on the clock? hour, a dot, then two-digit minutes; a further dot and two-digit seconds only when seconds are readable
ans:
6.13
